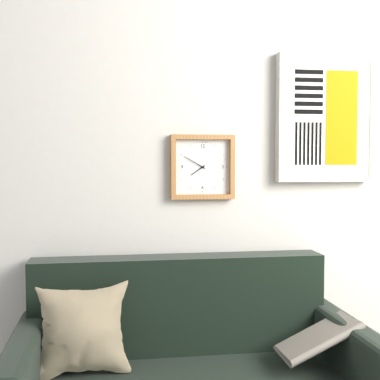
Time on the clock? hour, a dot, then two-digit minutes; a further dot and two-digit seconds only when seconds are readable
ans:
7.50
